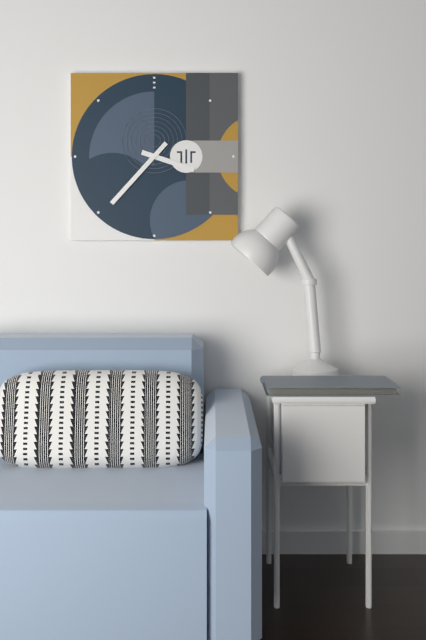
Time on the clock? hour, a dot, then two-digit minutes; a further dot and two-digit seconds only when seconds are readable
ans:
3.37
